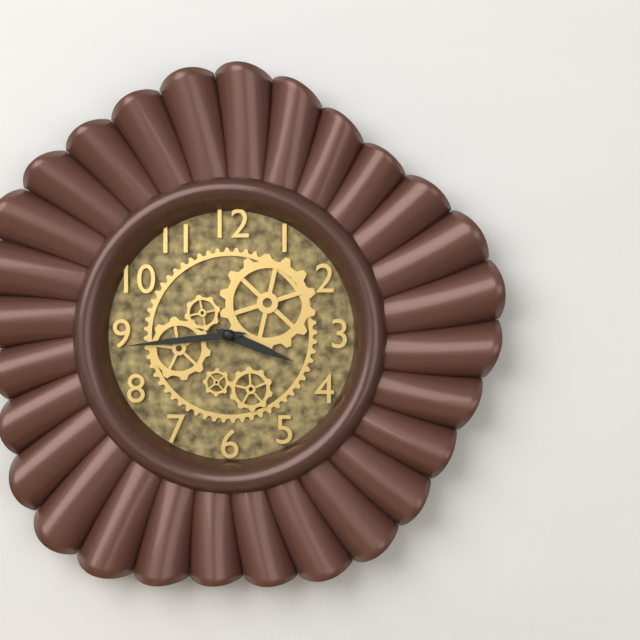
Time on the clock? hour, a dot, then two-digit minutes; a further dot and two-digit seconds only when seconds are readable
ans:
3.44
